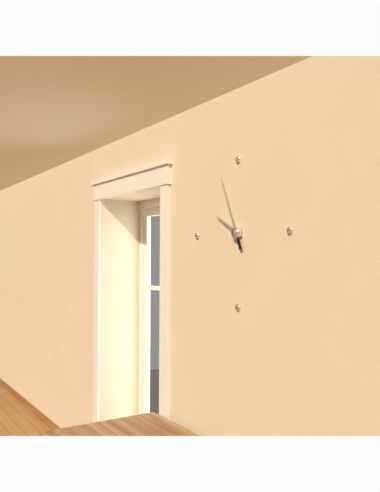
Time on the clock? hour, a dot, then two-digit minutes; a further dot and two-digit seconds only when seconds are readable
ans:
9.56
